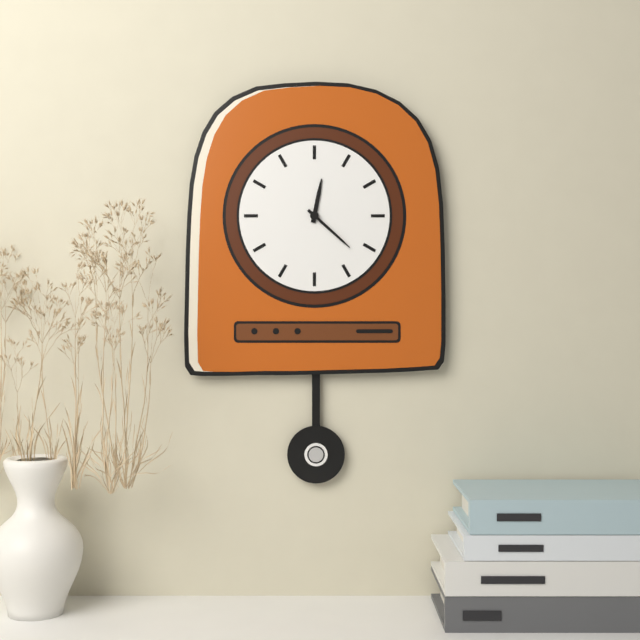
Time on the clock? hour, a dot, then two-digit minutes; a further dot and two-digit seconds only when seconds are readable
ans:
12.22
